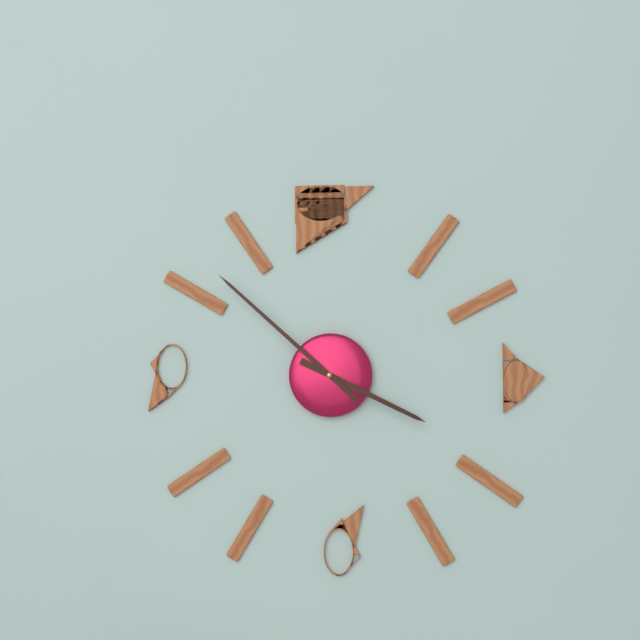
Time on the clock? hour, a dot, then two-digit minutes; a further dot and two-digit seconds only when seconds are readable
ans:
3.52
